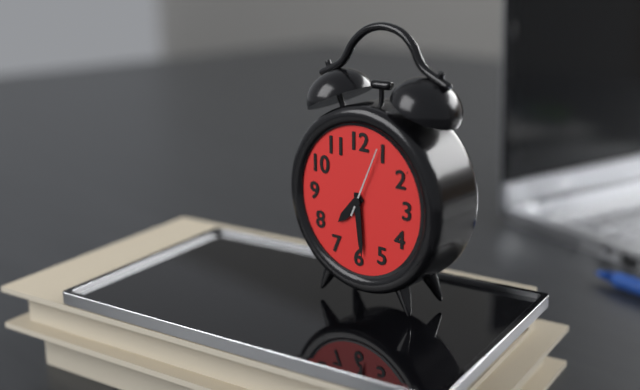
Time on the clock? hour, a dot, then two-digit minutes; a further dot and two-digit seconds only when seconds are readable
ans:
7.29.04
